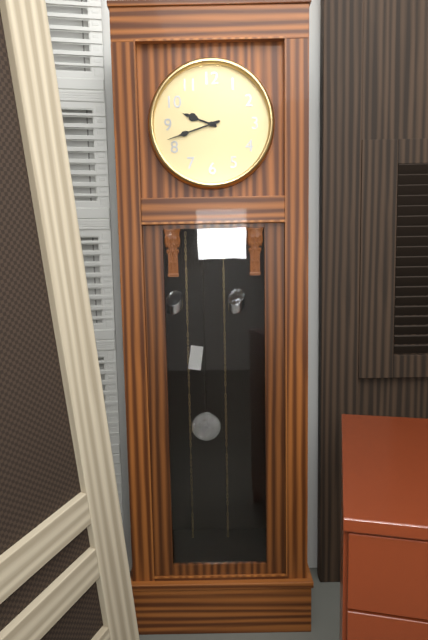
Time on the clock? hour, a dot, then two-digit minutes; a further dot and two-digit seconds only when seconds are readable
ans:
9.42
